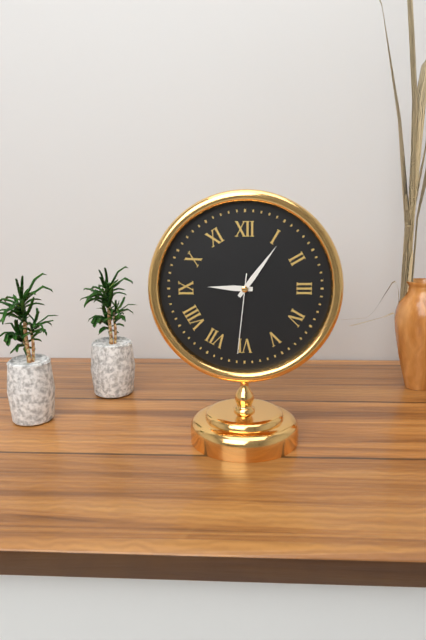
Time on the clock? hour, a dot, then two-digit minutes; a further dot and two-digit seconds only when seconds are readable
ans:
9.06.31
